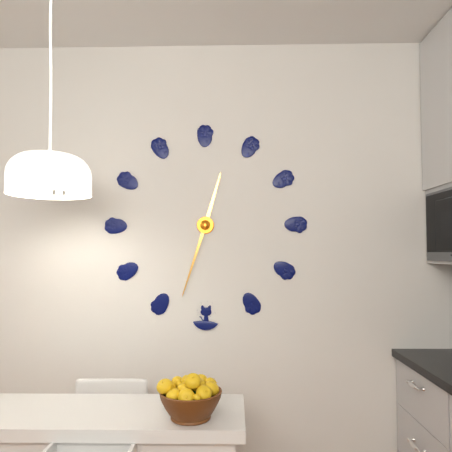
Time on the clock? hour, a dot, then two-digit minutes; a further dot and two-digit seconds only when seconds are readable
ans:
12.33
